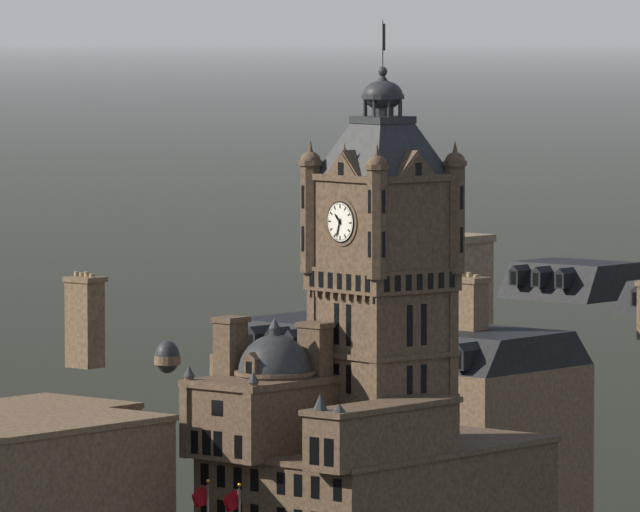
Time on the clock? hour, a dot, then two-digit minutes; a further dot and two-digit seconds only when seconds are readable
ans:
10.33
